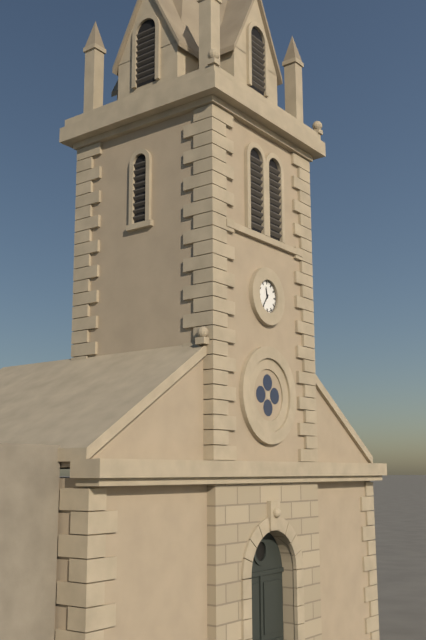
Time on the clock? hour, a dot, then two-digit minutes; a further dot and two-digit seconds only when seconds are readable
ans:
11.36
